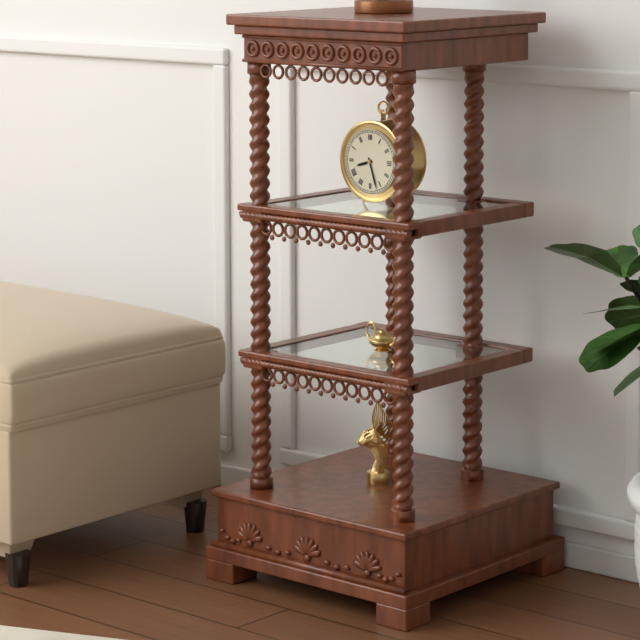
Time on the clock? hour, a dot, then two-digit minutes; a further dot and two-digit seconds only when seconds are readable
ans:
8.27
